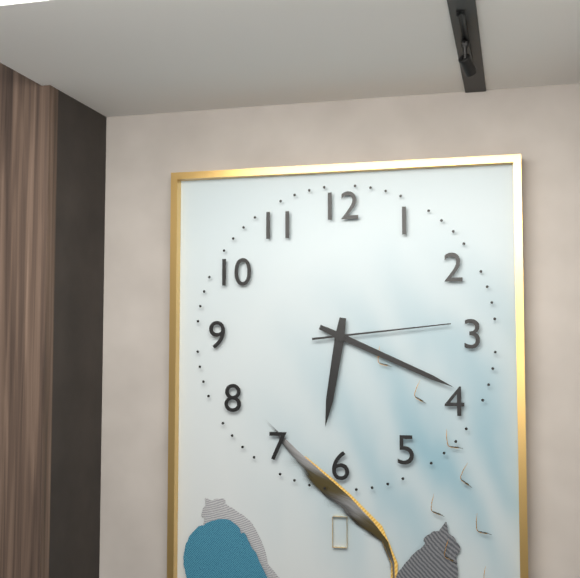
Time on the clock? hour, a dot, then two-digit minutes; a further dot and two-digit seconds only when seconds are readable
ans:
6.19.14
